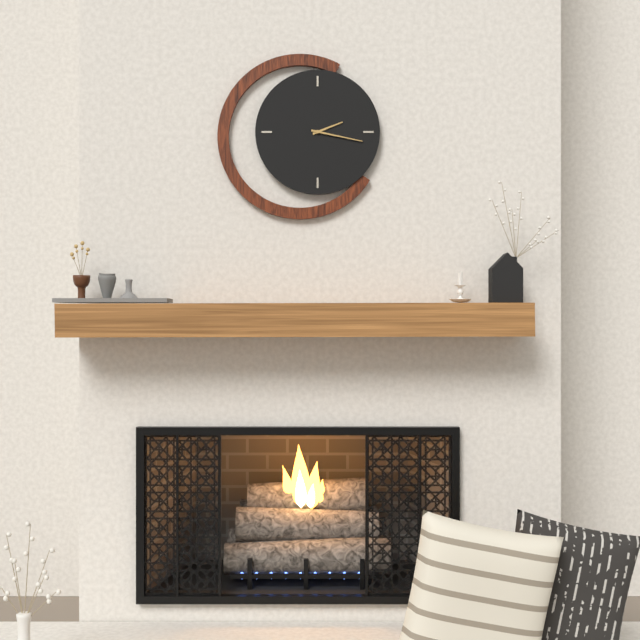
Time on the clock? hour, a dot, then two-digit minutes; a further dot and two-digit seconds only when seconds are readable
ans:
2.17
